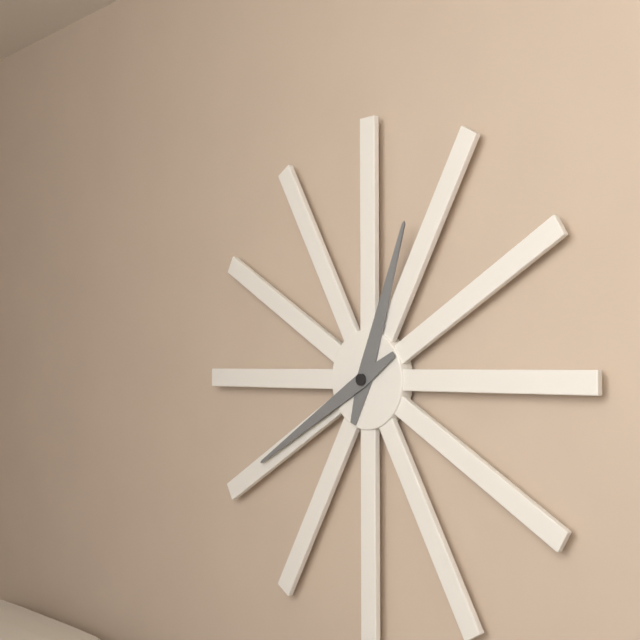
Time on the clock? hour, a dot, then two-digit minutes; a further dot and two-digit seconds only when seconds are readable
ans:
12.40
